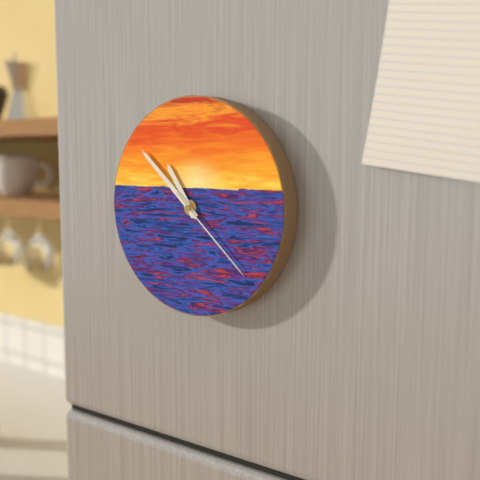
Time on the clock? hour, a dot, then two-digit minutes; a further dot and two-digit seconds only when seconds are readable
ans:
10.52.22
